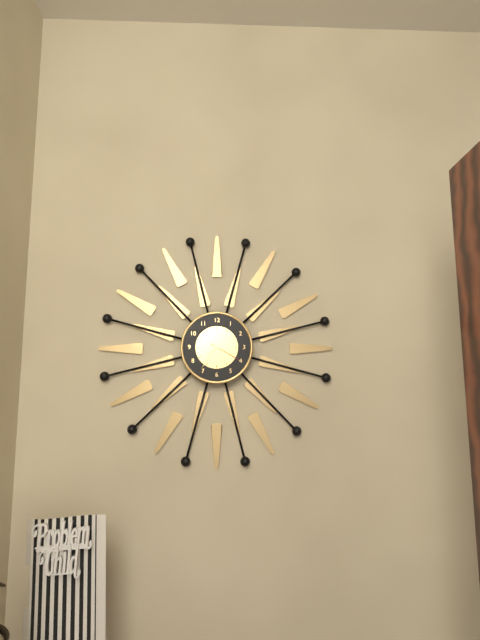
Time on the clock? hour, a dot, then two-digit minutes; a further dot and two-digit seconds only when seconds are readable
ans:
7.36
